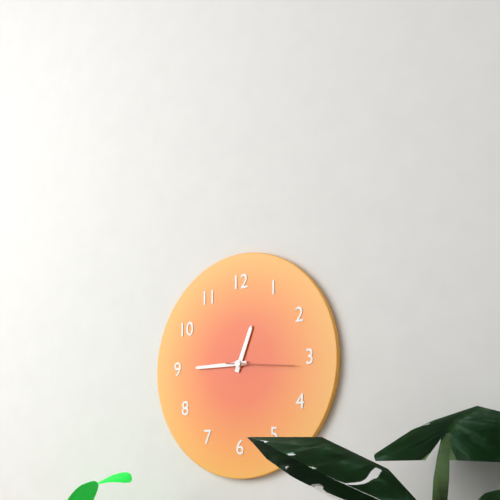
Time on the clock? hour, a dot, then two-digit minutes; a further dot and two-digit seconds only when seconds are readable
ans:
12.45.16
